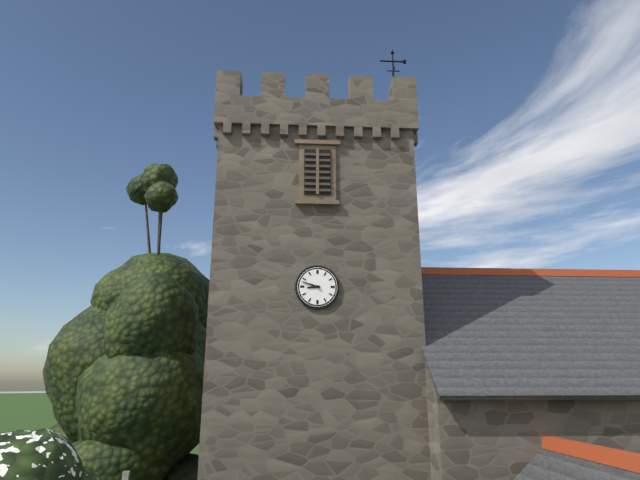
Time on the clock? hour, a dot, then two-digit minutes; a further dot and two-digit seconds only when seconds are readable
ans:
8.48
